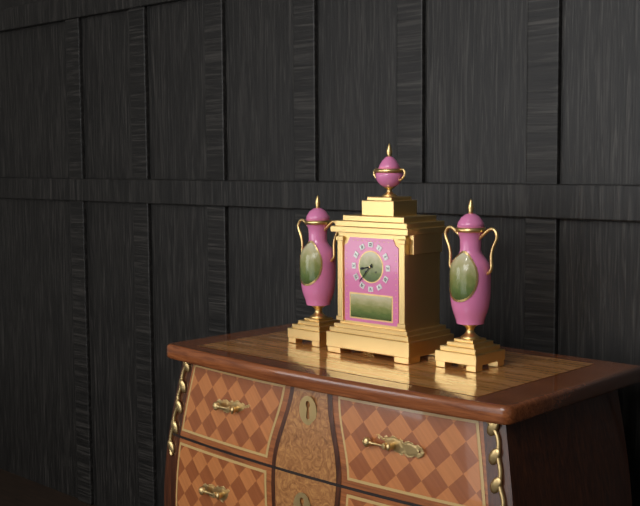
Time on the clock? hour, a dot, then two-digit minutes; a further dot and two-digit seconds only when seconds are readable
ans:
8.37
